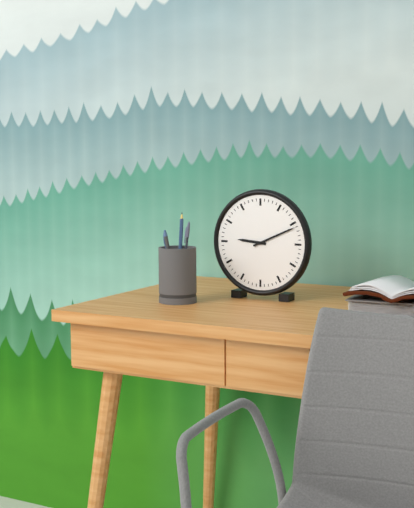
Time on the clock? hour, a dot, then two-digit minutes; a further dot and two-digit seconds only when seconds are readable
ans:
9.11
